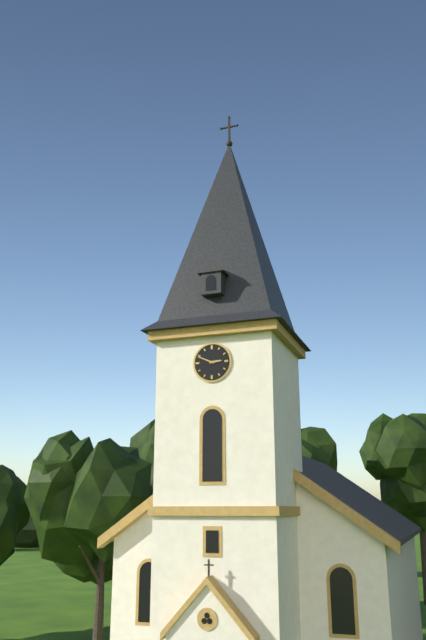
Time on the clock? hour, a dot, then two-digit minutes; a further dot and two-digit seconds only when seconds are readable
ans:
2.49
